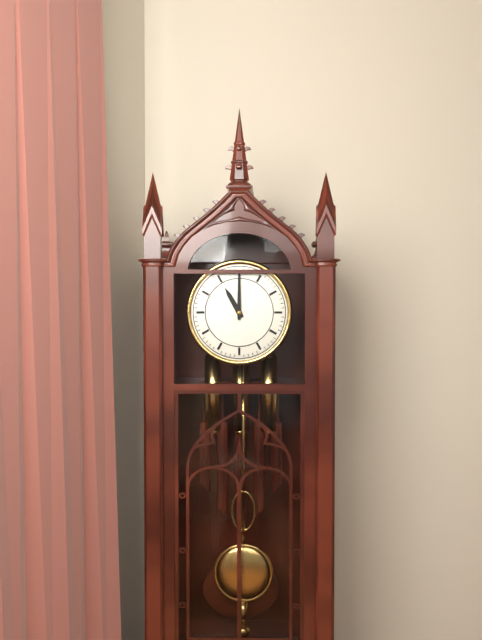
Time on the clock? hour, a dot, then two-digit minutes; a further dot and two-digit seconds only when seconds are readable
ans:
11.00
